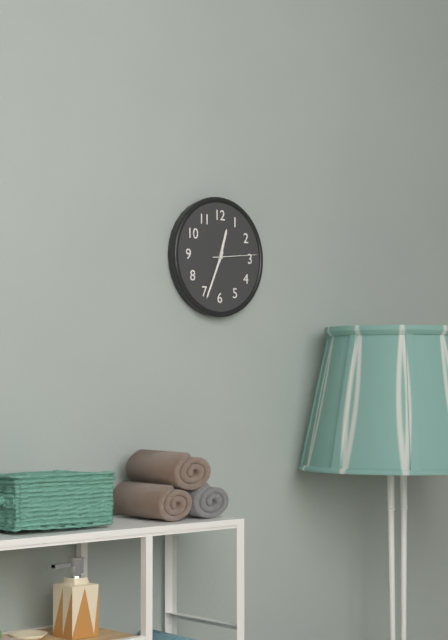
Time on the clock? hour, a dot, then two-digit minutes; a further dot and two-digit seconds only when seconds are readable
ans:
12.34.14
